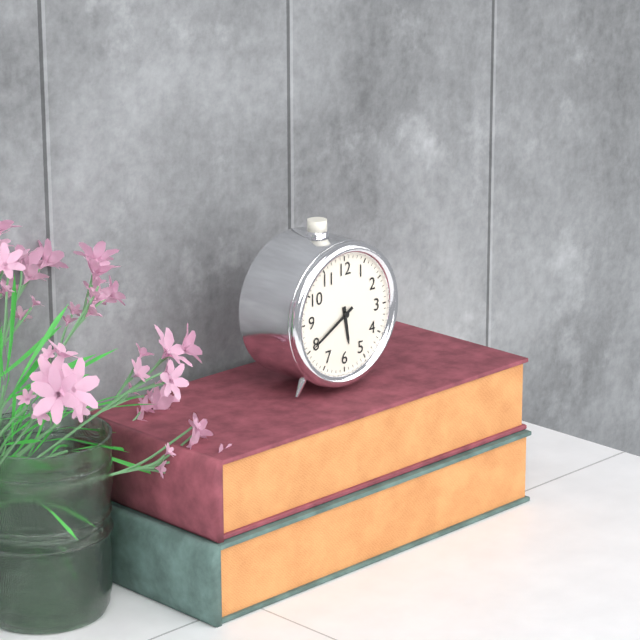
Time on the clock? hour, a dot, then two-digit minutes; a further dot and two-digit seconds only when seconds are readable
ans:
5.40
